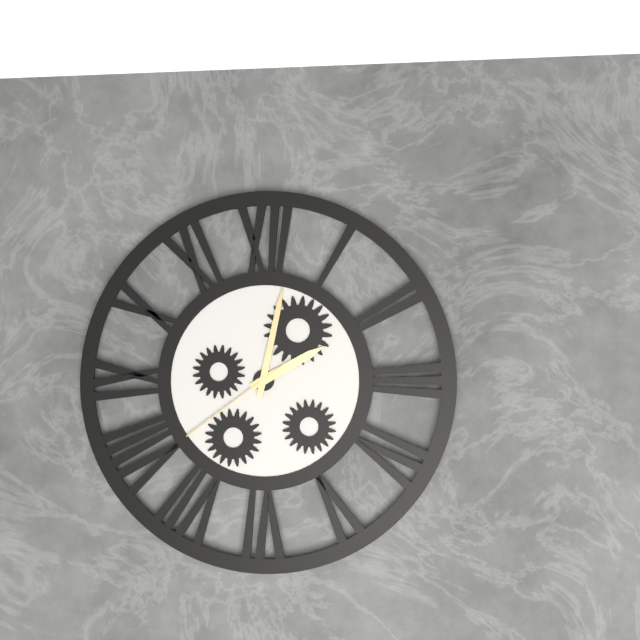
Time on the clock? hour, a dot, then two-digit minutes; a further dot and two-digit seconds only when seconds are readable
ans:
2.02.39
